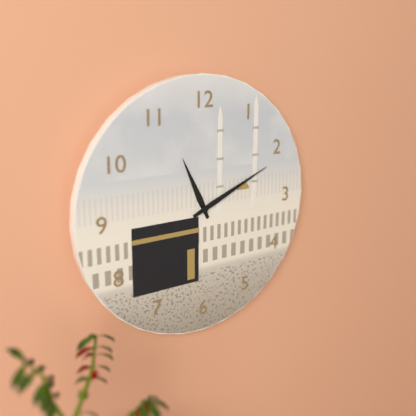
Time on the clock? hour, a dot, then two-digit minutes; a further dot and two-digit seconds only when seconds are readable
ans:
11.11
